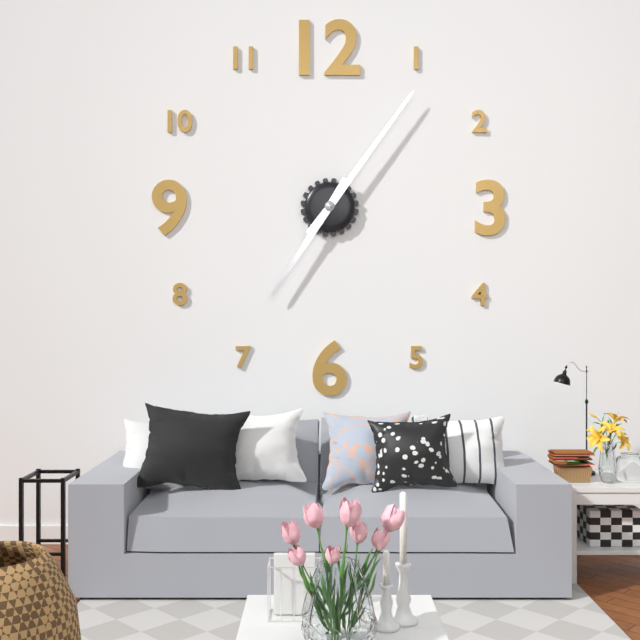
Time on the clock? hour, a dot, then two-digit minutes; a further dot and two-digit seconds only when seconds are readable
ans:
7.06
